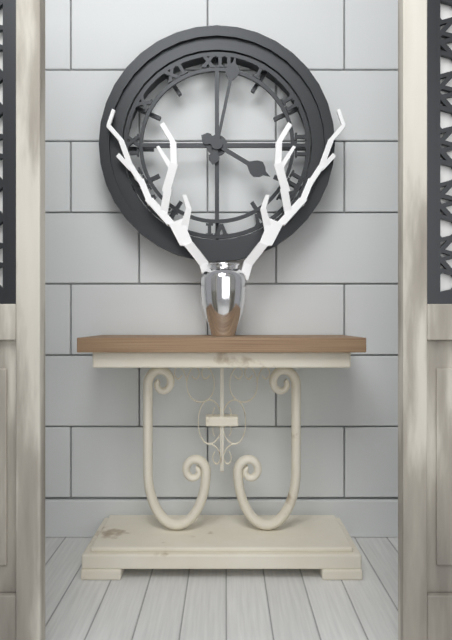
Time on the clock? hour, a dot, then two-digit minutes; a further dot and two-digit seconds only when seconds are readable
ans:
4.02
